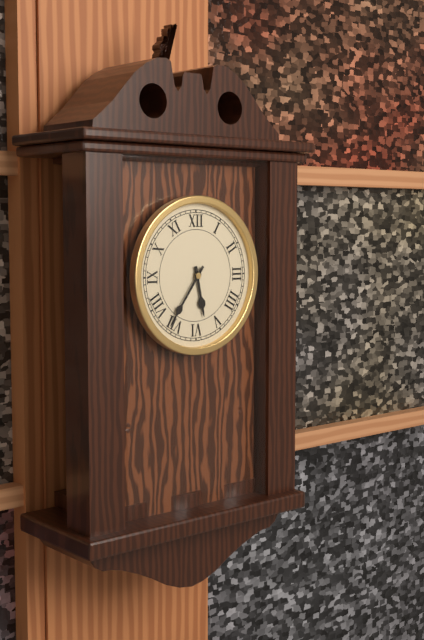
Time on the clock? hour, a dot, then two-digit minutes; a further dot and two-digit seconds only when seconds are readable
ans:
5.36
